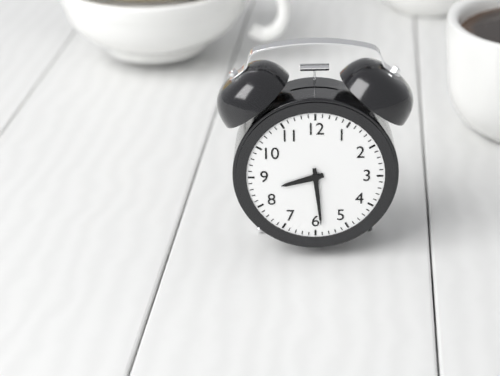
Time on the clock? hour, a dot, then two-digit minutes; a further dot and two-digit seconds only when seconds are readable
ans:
8.29
